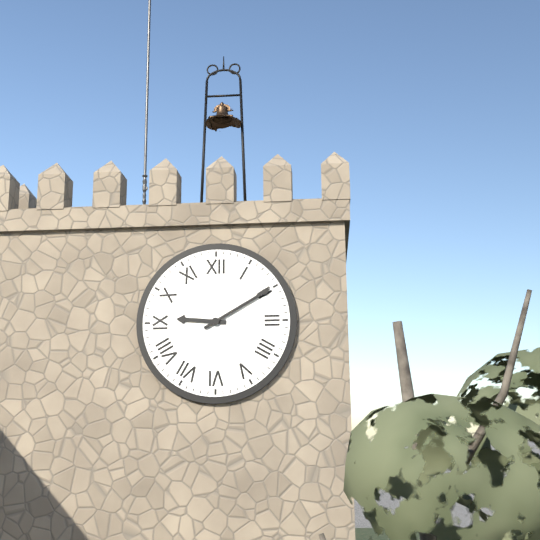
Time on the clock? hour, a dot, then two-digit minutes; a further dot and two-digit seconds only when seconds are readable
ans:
9.10
